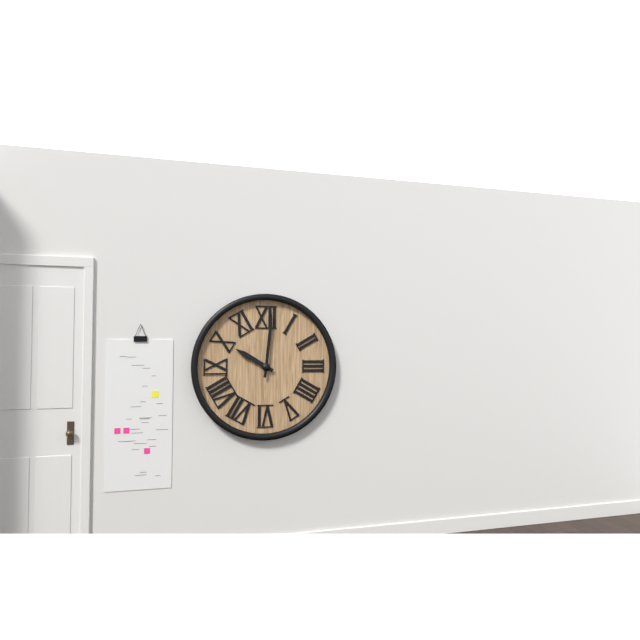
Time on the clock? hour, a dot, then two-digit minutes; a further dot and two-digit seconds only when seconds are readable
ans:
10.01
